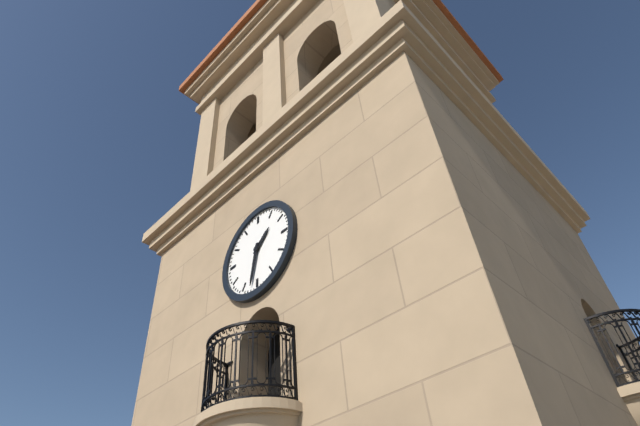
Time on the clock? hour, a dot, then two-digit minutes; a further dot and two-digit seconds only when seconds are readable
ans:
1.32
